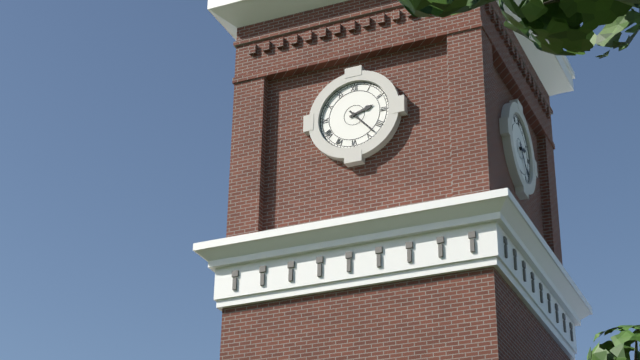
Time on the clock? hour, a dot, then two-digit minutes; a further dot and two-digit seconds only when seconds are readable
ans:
2.23
